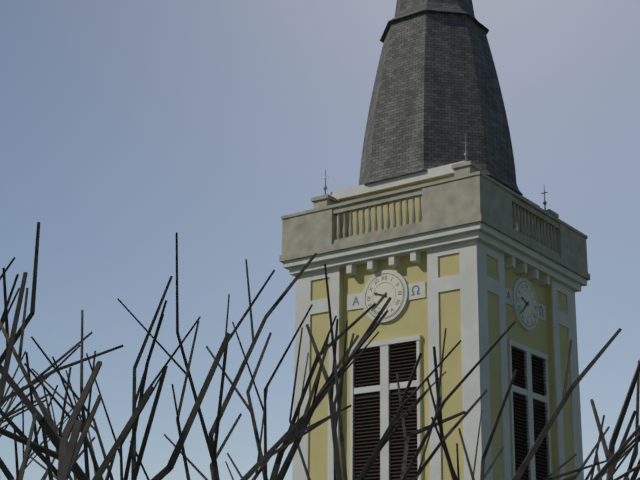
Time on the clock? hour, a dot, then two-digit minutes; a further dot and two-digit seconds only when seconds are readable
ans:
9.38
